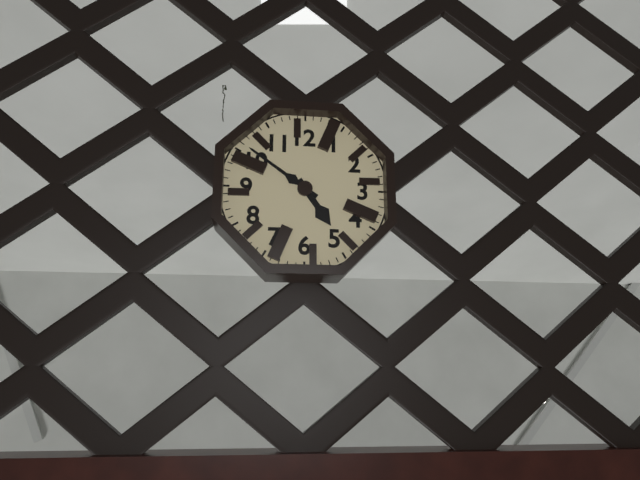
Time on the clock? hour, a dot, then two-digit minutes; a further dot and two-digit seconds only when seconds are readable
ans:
4.51
